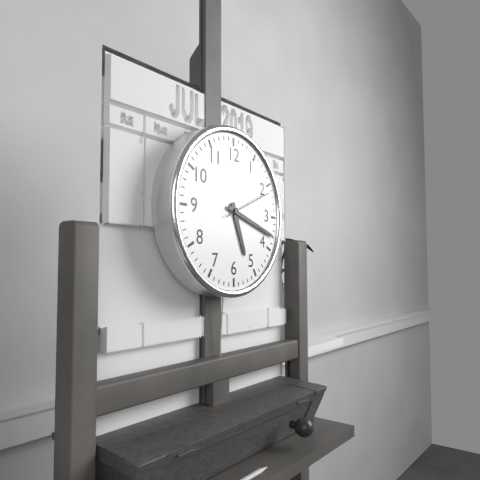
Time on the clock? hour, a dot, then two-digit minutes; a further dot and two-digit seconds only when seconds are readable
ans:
5.18.11
